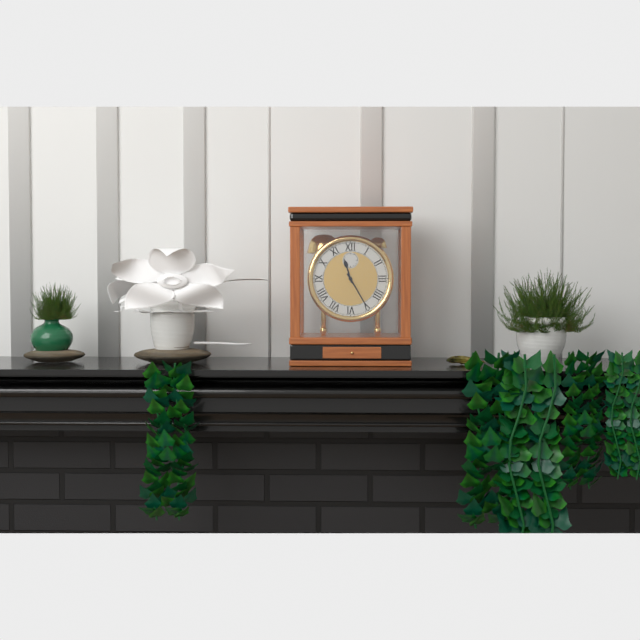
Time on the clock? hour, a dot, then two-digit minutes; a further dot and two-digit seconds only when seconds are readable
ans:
11.25
